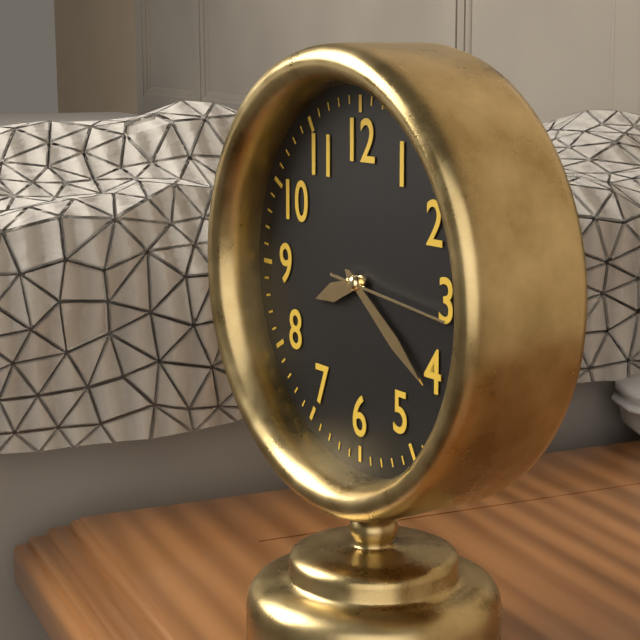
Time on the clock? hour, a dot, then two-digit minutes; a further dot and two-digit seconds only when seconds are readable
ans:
8.21.16
